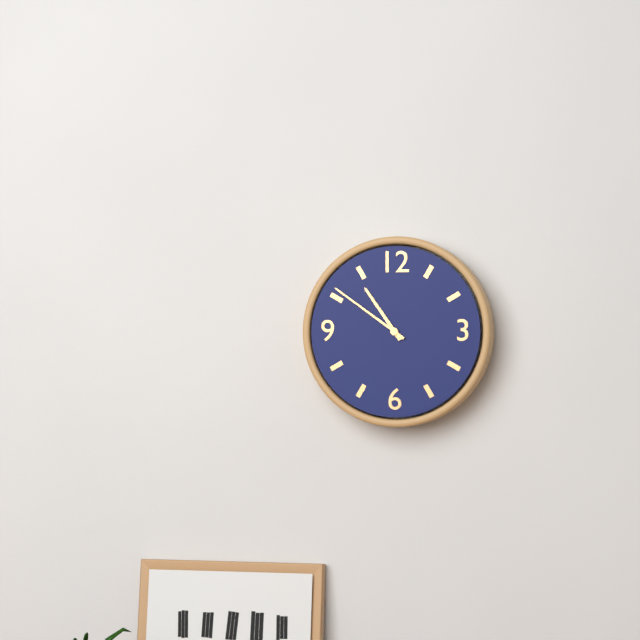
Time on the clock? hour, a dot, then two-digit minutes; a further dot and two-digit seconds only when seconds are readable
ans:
10.51
